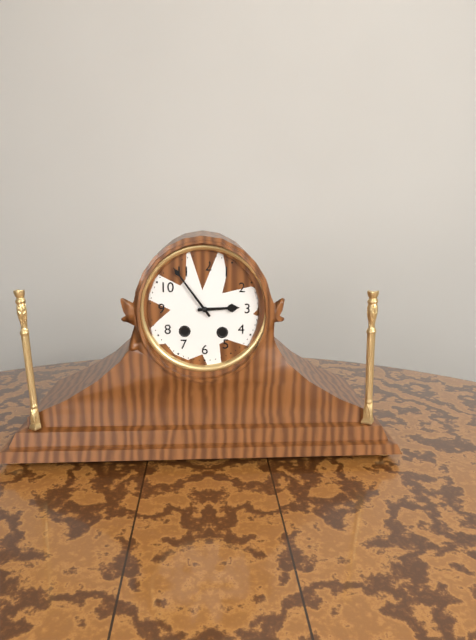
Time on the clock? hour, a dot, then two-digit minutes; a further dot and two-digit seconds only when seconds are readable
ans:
2.54
